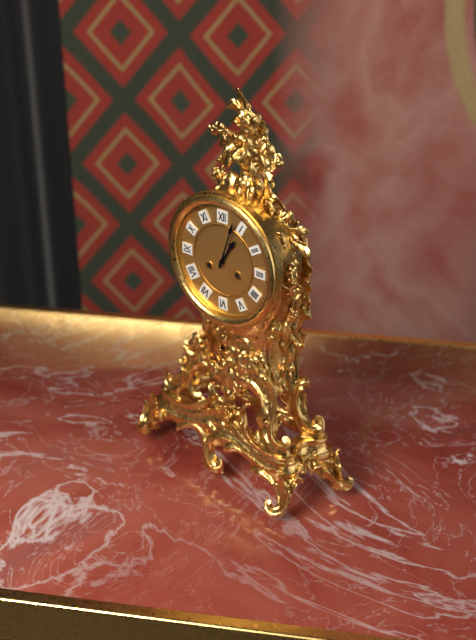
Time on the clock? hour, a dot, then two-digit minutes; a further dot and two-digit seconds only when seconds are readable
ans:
1.03
